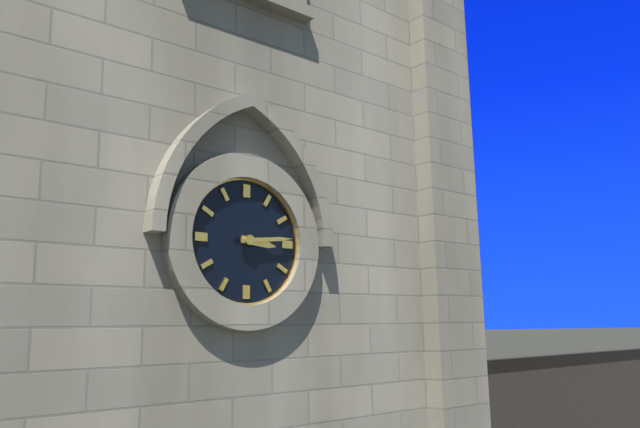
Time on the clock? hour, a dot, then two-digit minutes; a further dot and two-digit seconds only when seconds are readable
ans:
3.14
